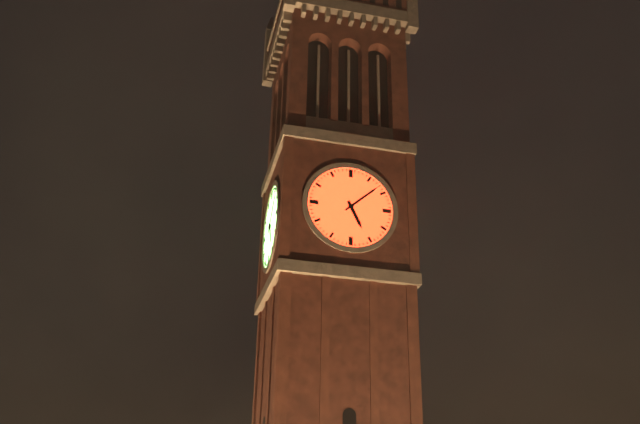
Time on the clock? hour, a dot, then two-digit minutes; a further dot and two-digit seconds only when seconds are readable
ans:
5.08
